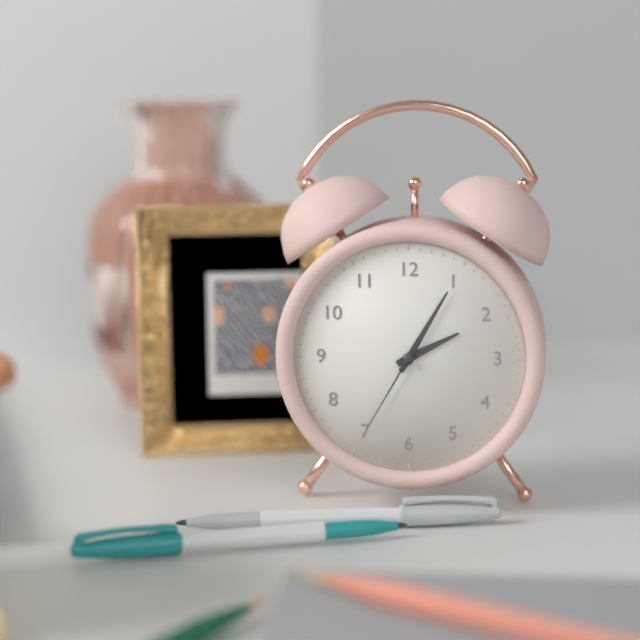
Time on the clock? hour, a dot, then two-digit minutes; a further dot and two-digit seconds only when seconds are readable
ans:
2.05.35
